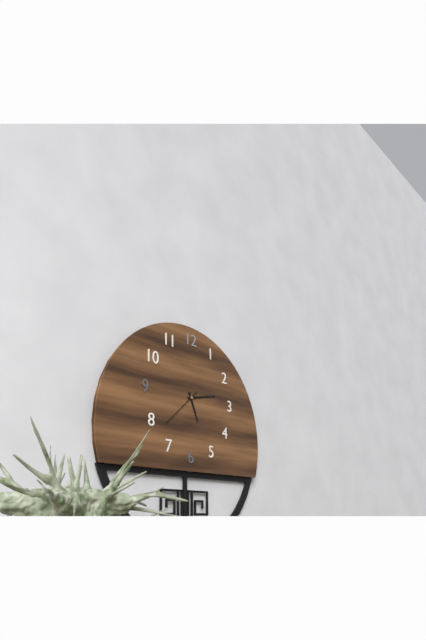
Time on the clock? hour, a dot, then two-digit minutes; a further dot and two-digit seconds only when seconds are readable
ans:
5.13
